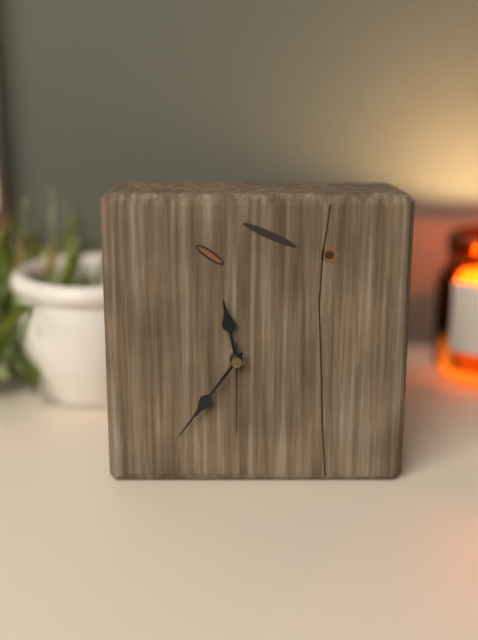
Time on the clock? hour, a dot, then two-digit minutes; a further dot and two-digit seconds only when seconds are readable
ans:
11.36.30
